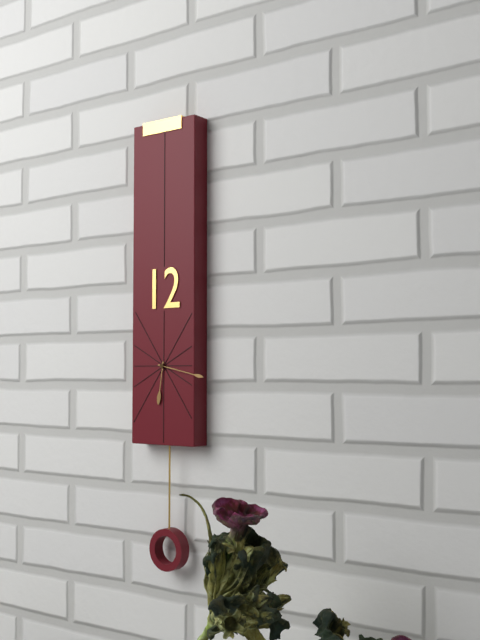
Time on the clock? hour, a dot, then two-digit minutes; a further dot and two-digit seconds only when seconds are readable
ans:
6.17
